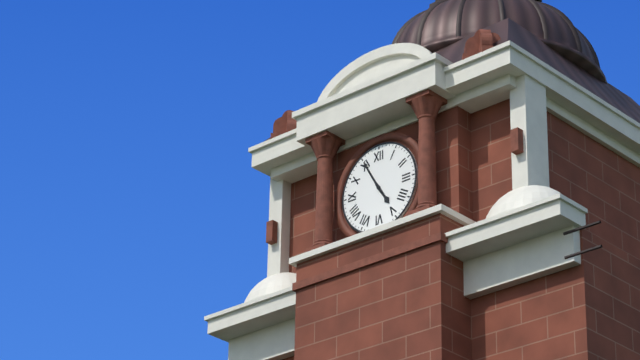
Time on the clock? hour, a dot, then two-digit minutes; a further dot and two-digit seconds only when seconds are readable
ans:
4.55
